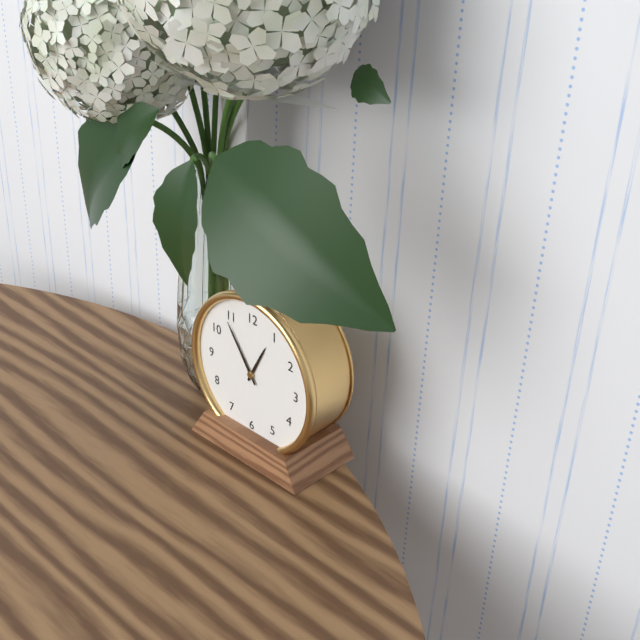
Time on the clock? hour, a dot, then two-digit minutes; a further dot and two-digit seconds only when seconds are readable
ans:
12.54
